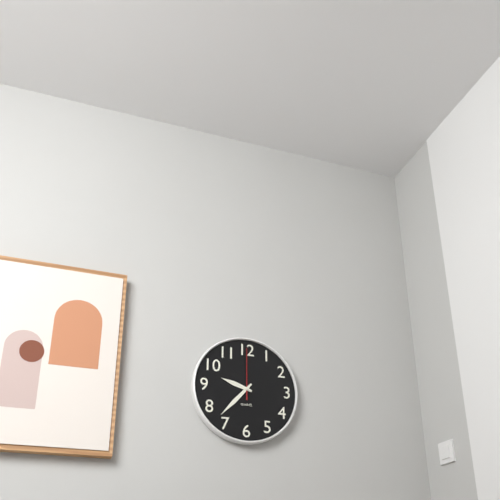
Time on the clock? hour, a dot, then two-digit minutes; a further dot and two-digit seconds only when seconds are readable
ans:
9.37.00
